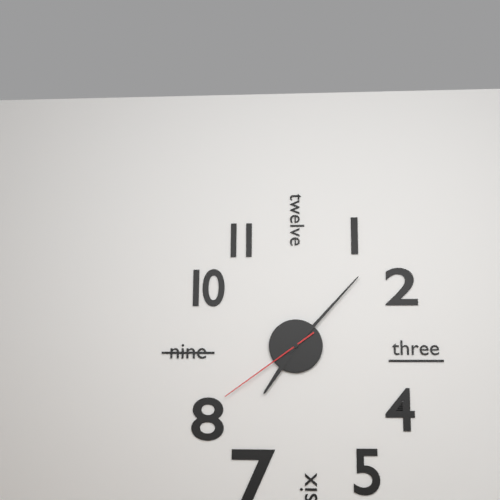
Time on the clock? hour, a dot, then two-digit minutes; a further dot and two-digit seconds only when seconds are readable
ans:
7.07.39
